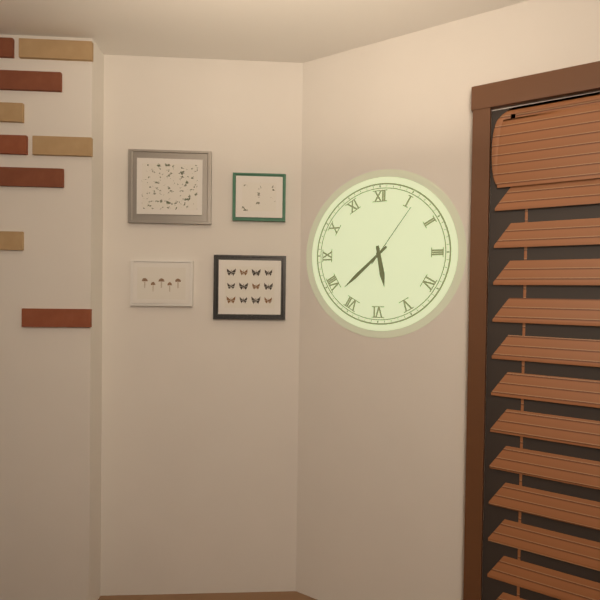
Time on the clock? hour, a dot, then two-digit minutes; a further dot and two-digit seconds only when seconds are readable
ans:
5.38.06
